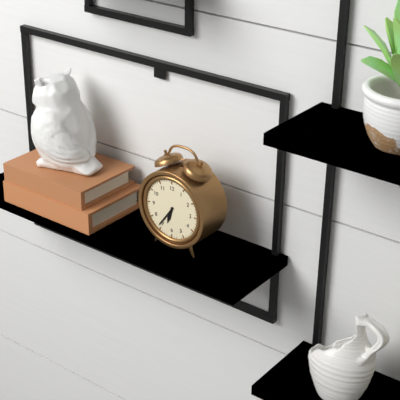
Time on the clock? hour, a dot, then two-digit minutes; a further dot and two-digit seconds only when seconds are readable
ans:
6.36
